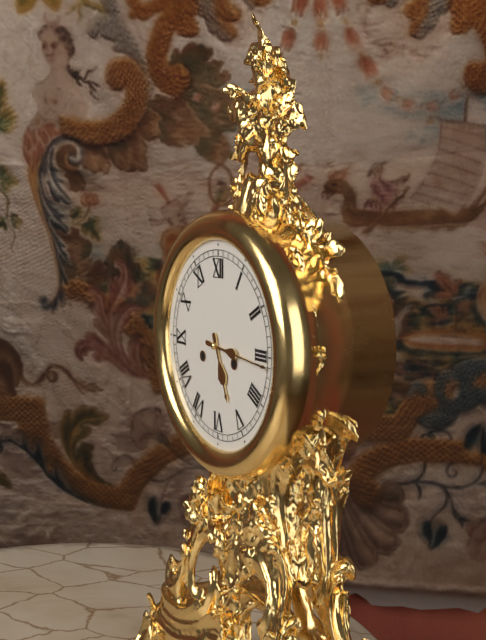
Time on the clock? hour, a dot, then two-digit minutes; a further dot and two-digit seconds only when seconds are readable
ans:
5.16
